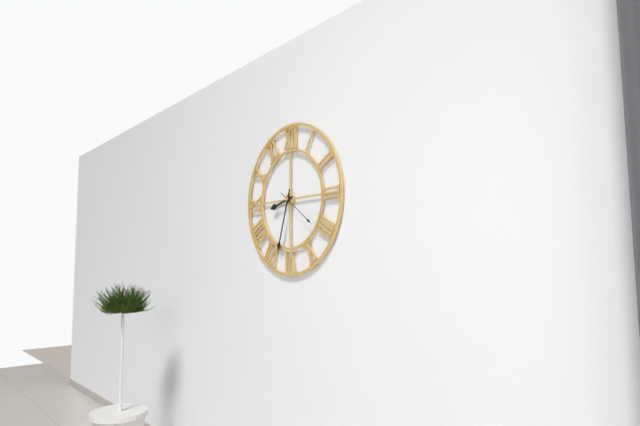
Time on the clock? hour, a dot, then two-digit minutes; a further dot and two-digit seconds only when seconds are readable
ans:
8.33
